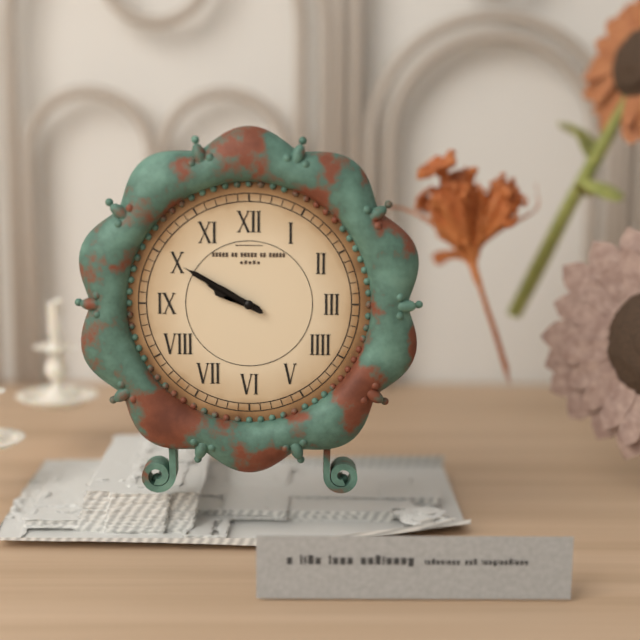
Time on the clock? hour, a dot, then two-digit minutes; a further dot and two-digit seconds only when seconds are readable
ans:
9.50
